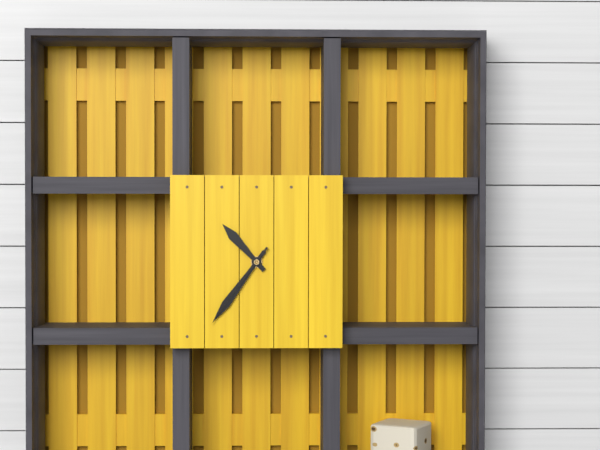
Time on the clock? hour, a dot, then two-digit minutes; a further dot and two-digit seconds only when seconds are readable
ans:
10.36.36
